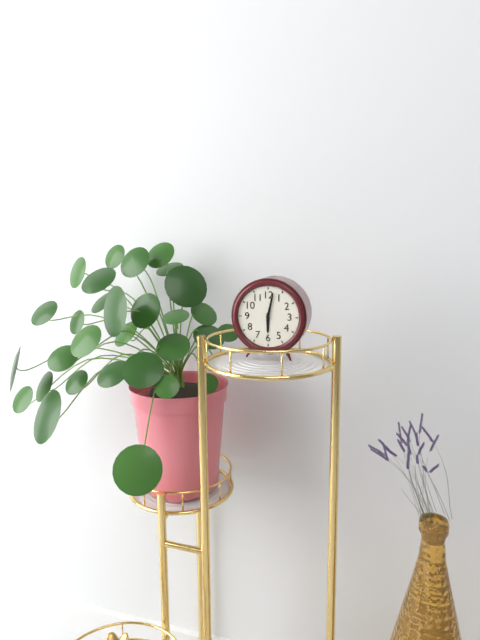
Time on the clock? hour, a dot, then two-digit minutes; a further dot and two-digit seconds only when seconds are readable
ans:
6.02
